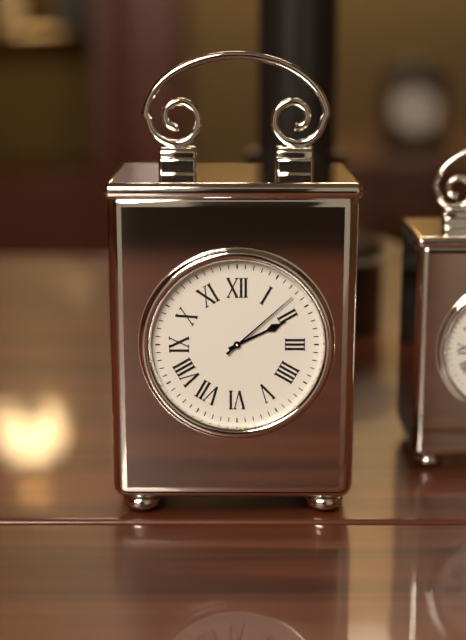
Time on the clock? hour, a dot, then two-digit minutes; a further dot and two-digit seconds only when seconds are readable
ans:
2.08
